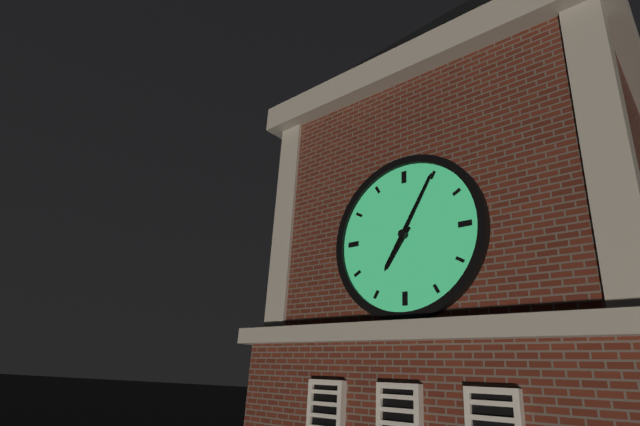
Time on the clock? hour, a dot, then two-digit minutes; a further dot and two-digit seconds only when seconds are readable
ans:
7.05
